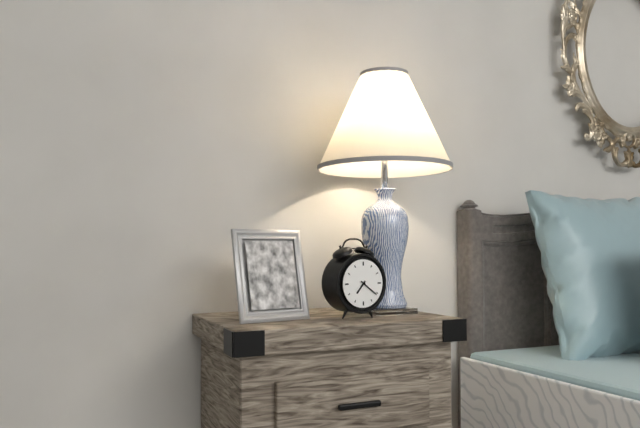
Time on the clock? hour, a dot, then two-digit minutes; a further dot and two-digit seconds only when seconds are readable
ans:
7.21
